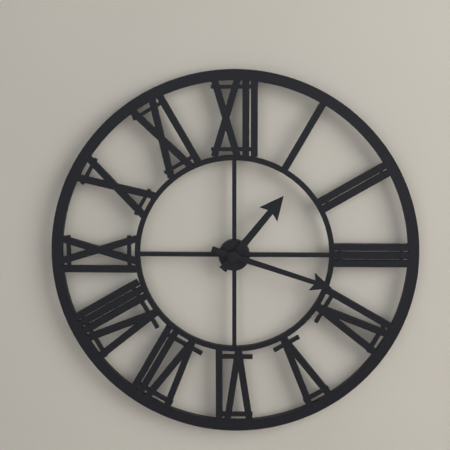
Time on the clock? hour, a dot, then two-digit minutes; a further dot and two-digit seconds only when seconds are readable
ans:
1.18
